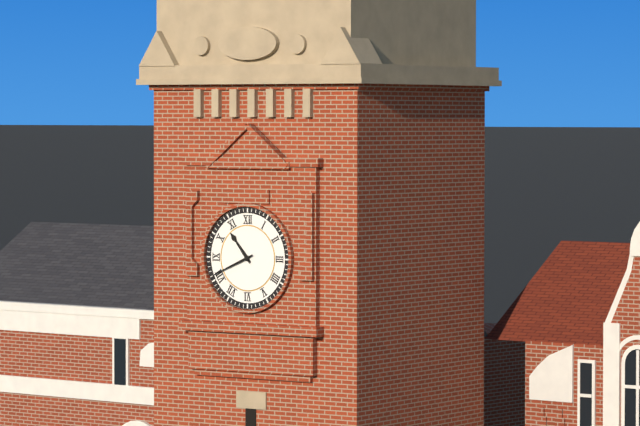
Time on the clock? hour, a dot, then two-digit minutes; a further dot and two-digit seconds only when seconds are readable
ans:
10.41
